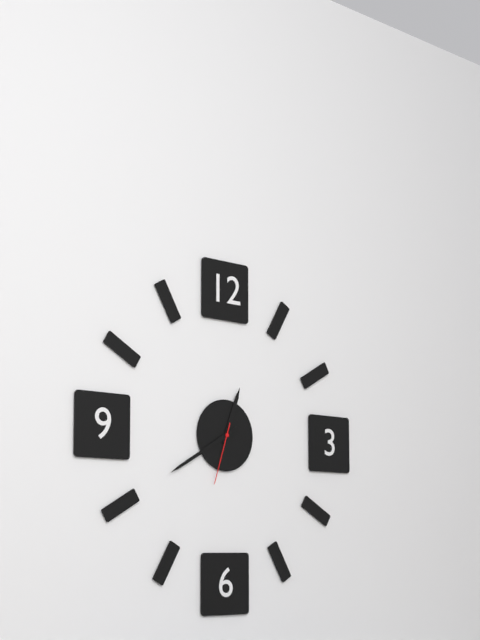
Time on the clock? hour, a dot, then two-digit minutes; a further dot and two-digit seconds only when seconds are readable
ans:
12.40.33
